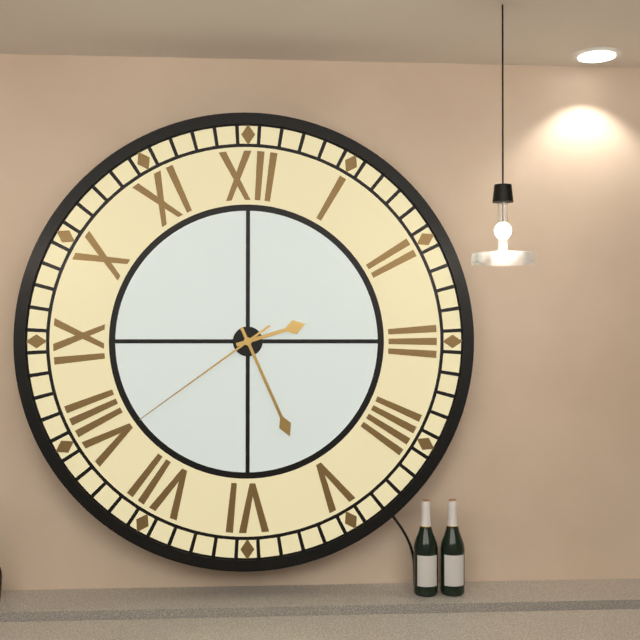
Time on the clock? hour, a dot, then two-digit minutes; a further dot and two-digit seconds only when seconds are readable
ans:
2.26.39
